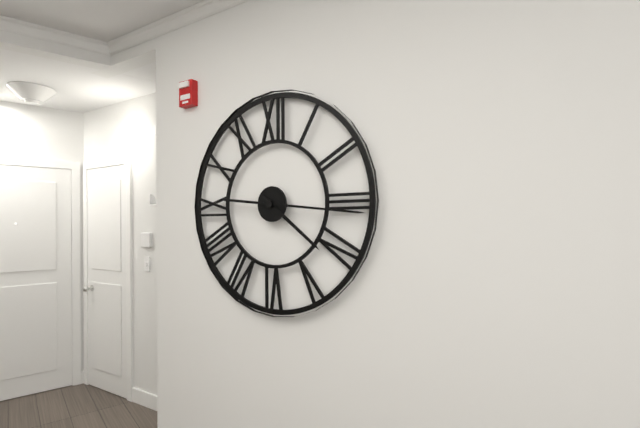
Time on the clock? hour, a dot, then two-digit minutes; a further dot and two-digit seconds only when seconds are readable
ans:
4.16
